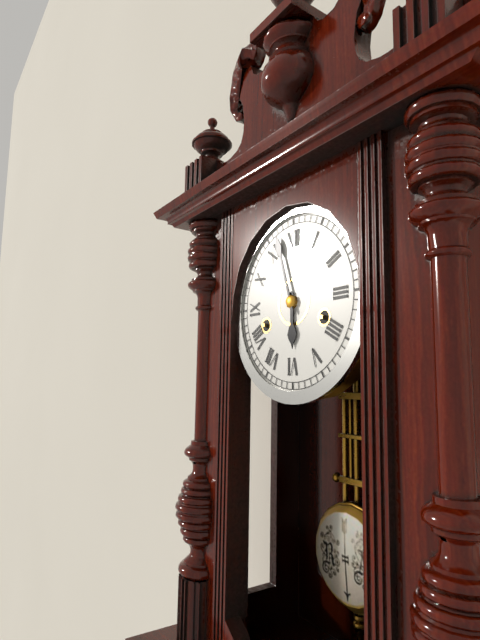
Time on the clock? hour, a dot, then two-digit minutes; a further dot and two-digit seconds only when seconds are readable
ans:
5.57
